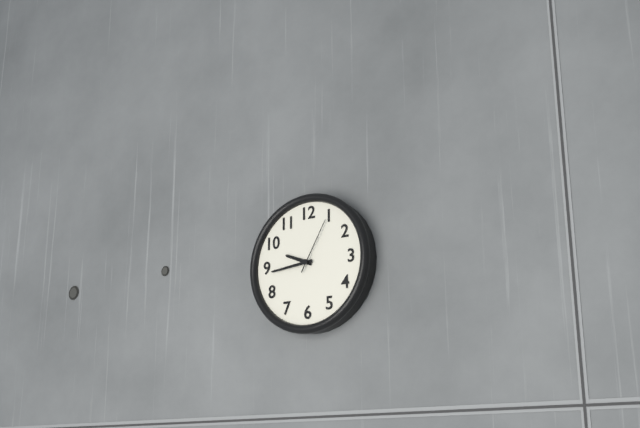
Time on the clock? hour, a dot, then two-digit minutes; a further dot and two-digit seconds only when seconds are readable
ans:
9.44.05
